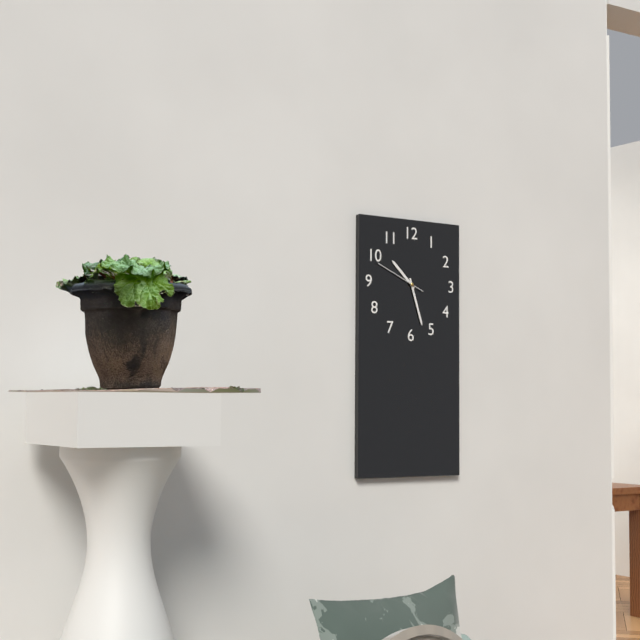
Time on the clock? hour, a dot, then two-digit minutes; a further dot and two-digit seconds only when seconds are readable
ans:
10.27.49
